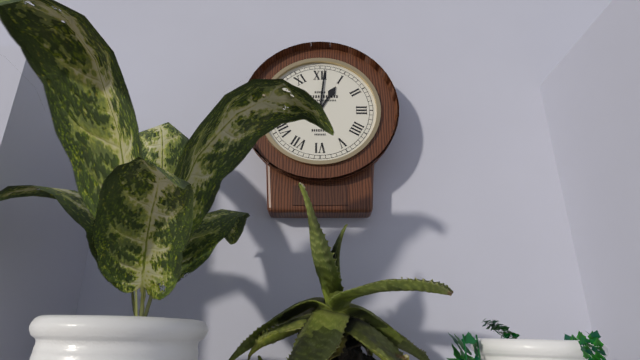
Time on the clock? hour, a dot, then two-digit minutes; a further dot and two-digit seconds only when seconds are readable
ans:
1.01
